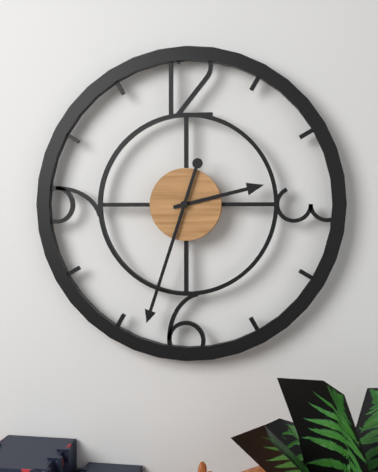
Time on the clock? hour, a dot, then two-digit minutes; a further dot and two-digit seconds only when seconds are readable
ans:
2.33
